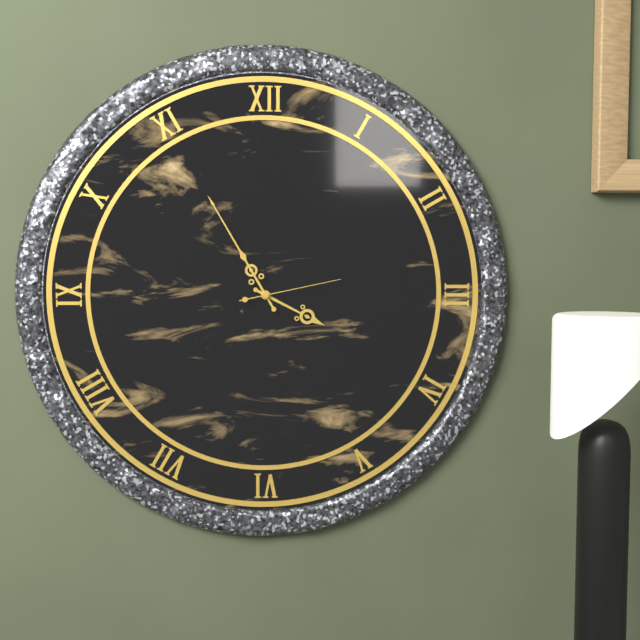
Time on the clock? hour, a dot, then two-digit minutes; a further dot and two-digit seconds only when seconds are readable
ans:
3.55.13
